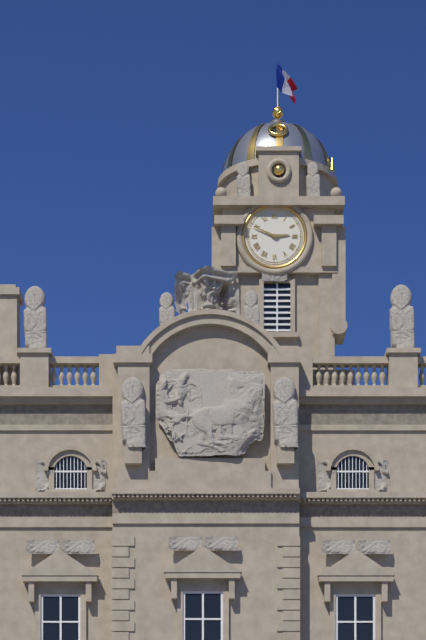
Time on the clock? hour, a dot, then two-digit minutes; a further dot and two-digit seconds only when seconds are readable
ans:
2.49
